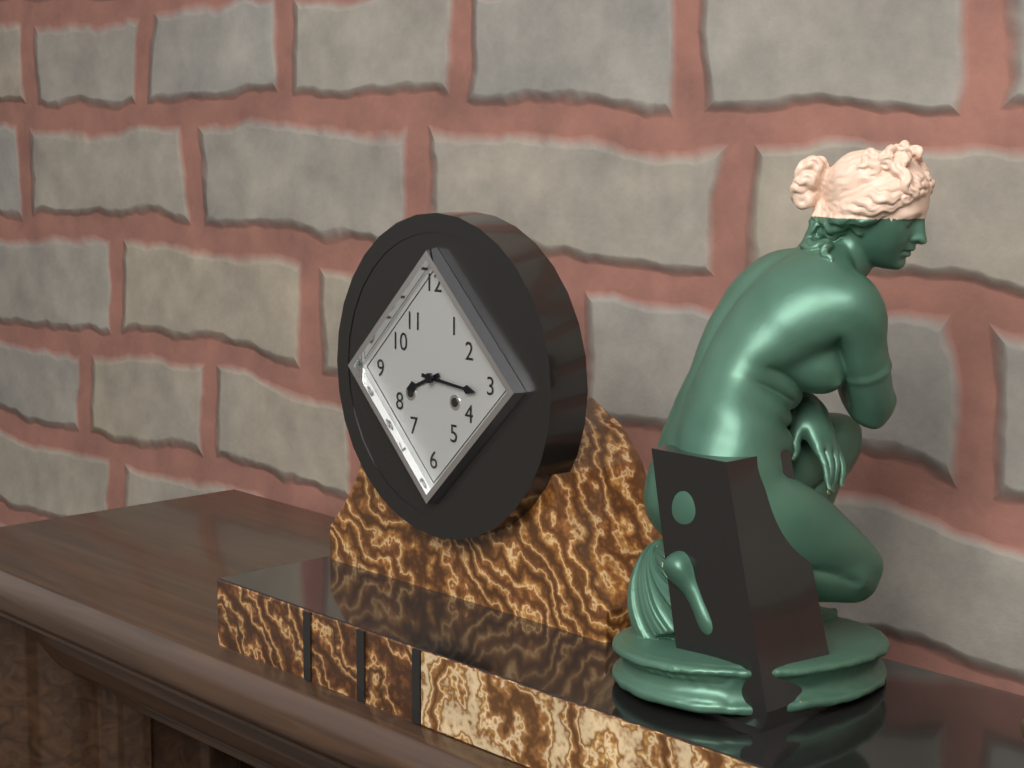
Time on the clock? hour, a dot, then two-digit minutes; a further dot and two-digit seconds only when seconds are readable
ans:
8.16
